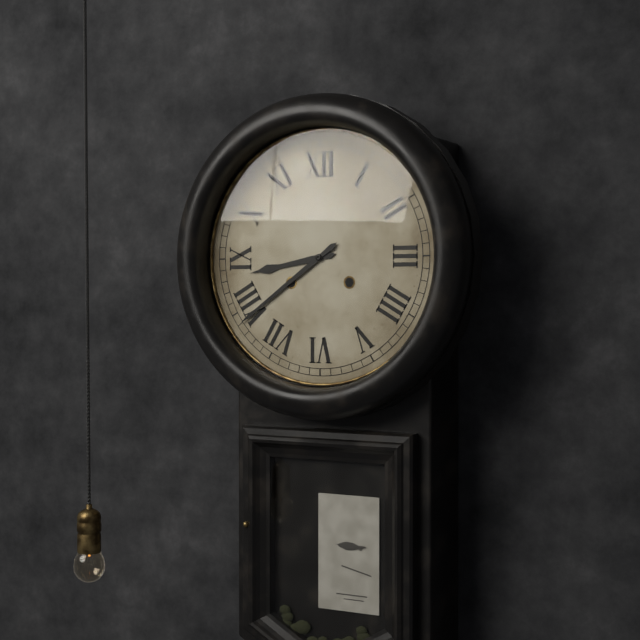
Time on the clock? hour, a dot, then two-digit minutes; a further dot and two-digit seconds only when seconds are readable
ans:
8.39
